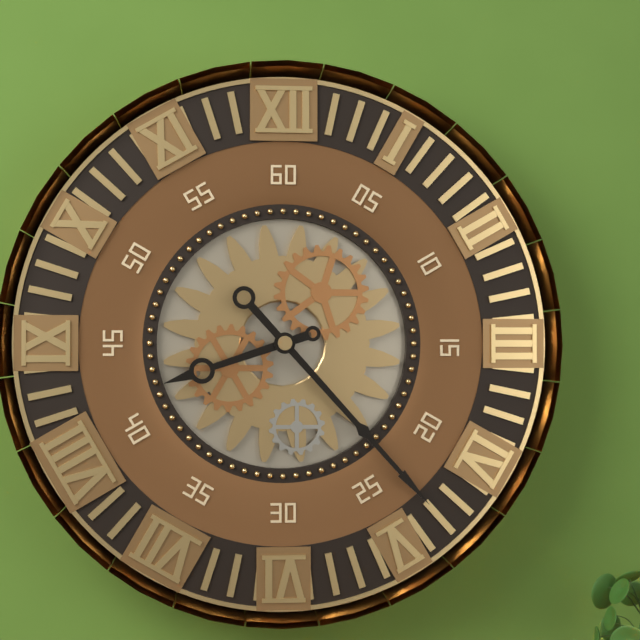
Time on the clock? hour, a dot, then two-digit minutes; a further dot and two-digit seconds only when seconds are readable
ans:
8.23
